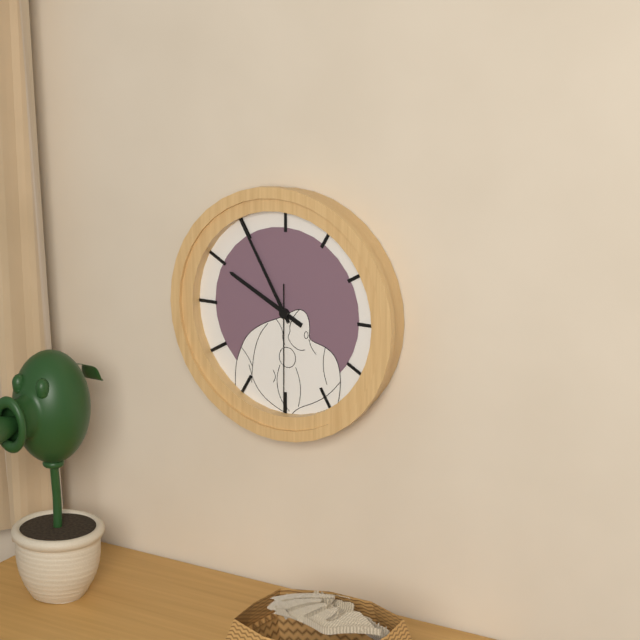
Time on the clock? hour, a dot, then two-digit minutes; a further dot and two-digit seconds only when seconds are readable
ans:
9.55.30
